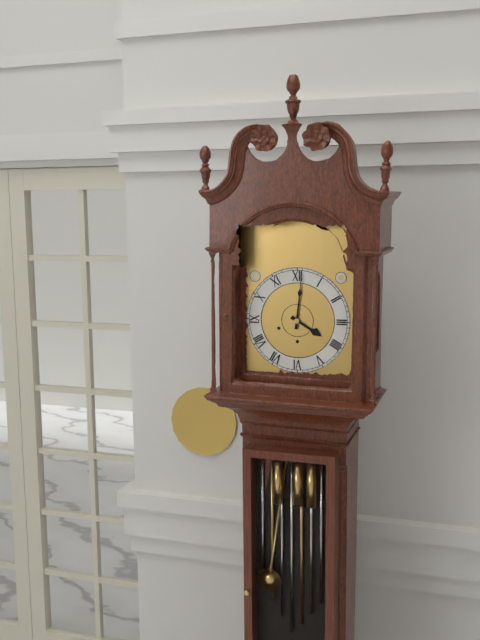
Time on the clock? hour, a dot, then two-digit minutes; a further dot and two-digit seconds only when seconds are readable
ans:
4.01
